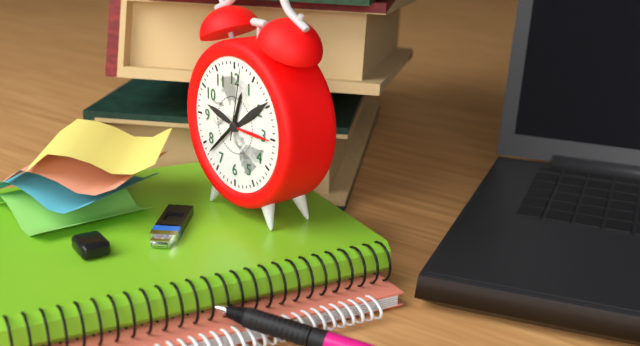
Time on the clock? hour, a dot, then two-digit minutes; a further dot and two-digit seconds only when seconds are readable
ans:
12.38.02
